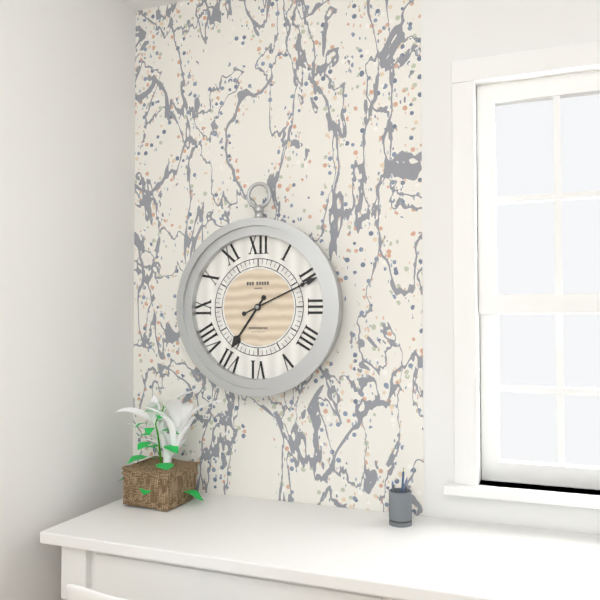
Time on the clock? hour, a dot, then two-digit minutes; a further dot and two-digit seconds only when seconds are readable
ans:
7.11
